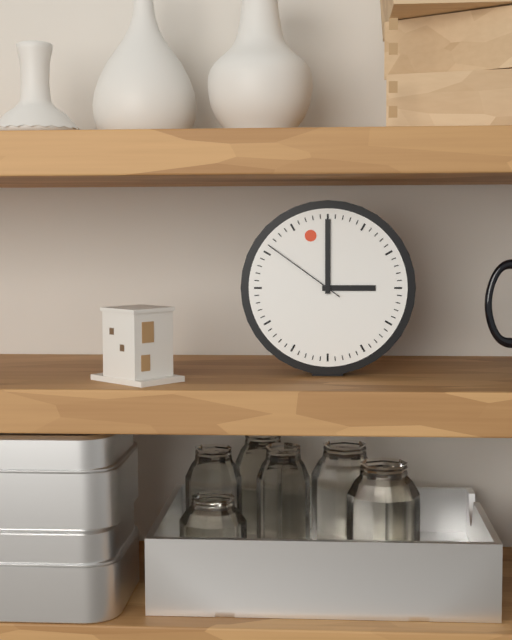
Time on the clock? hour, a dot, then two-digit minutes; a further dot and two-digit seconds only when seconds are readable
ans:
3.00.51
